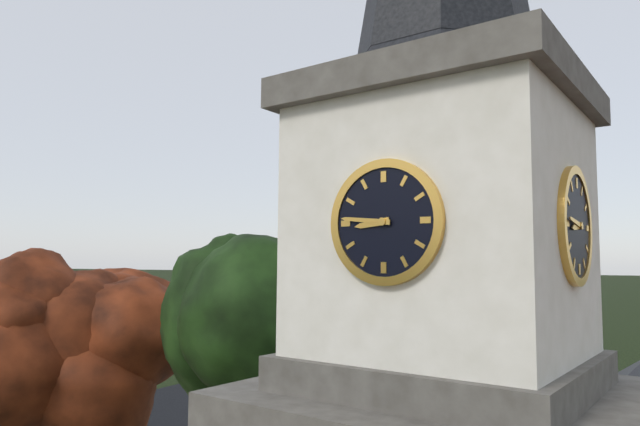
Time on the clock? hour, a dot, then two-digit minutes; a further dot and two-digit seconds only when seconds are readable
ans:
8.46
